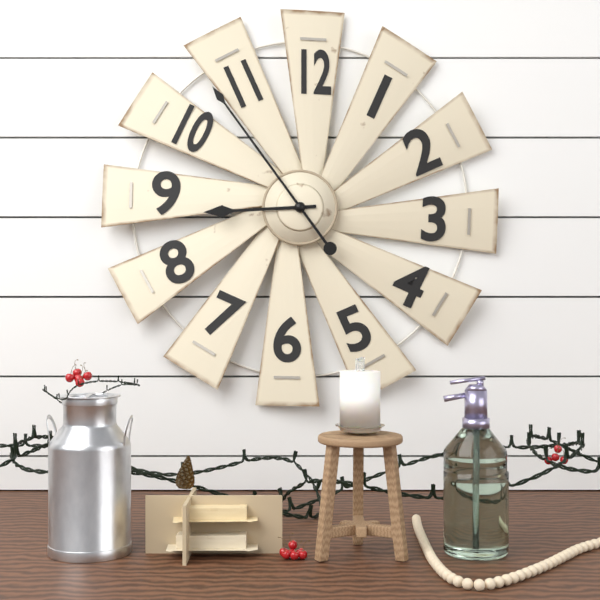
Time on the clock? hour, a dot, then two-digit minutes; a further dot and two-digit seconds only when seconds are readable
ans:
8.54
